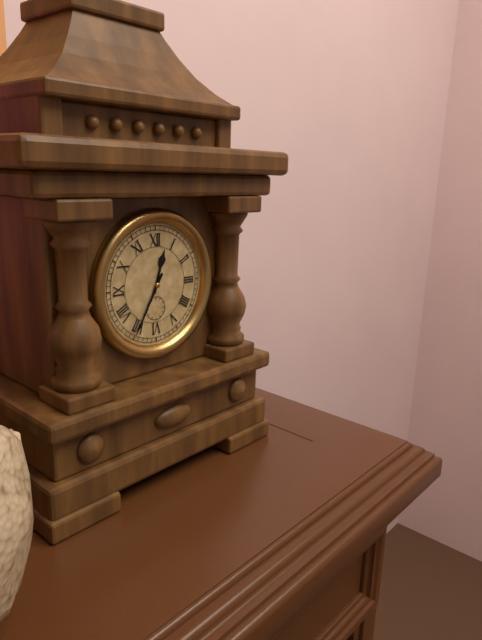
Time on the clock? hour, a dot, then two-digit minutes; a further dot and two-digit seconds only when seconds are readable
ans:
12.35
